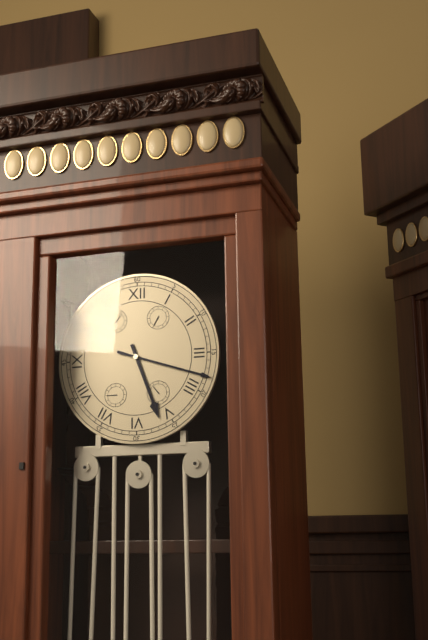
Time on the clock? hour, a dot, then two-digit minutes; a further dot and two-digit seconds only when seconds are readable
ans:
5.18
